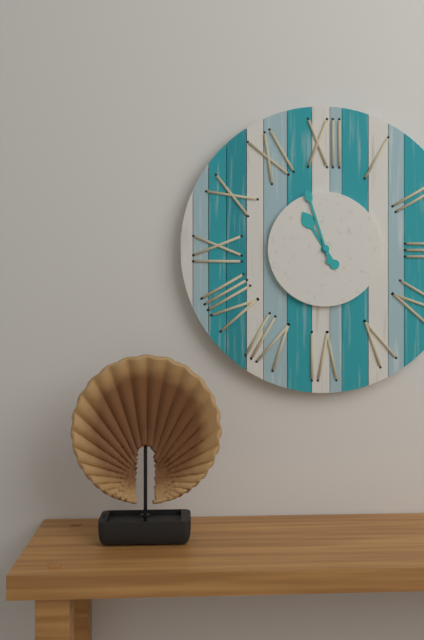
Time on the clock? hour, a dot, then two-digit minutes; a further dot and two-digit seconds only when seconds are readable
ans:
10.57
